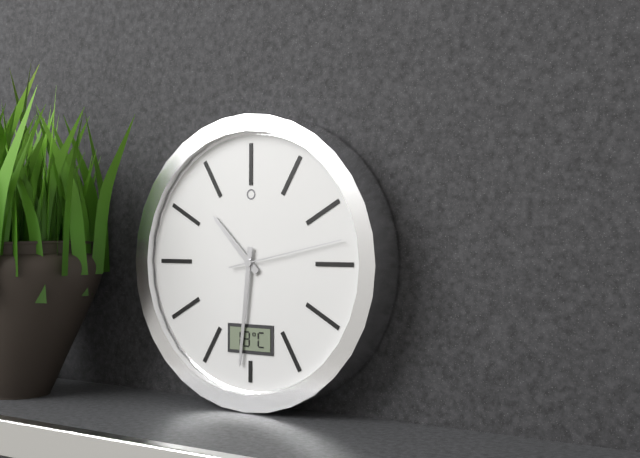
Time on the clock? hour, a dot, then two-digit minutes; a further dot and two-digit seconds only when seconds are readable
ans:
10.31.13
